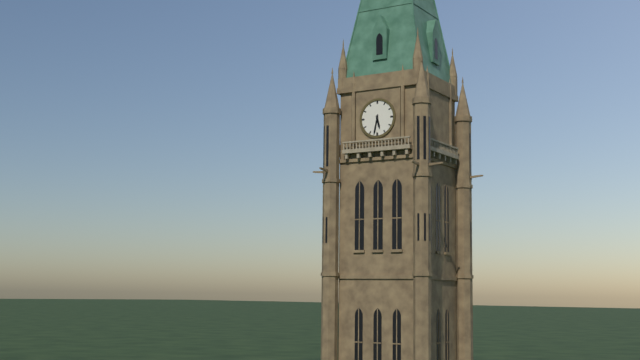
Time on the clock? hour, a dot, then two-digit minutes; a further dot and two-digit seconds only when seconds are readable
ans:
5.32
